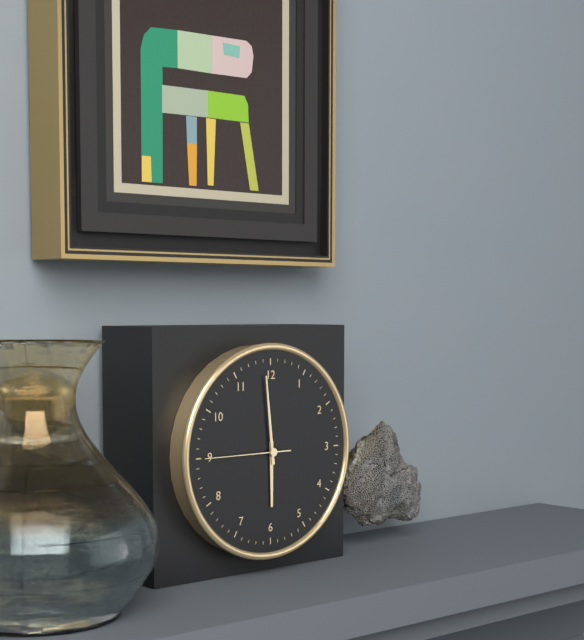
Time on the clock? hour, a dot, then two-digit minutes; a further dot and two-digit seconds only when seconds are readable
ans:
5.59.45
